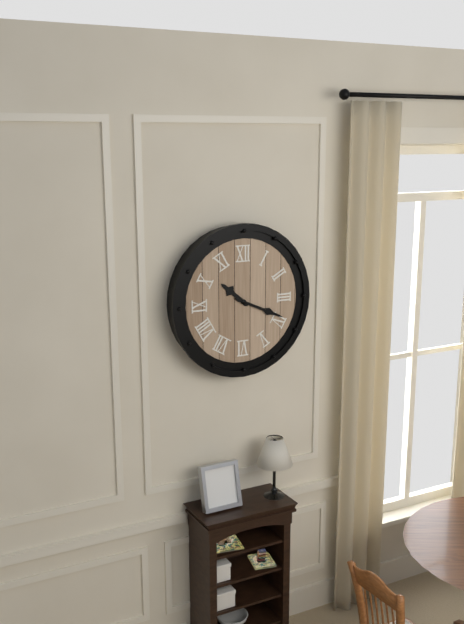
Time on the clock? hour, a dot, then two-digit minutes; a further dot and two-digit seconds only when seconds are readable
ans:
10.19
